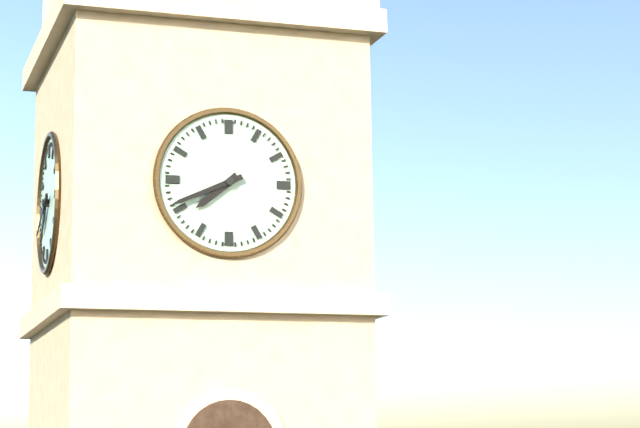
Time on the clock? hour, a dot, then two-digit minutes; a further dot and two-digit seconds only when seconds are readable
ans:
7.41
